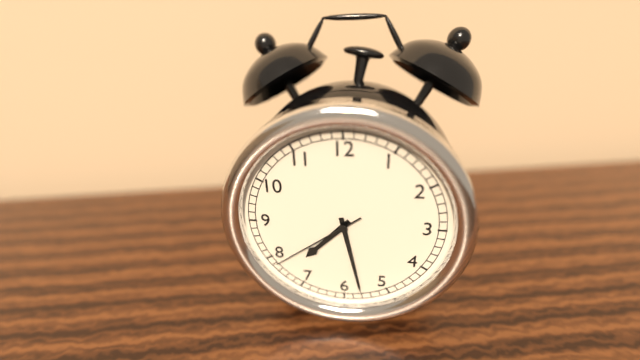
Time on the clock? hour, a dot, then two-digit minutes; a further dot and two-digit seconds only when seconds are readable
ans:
7.28.39
